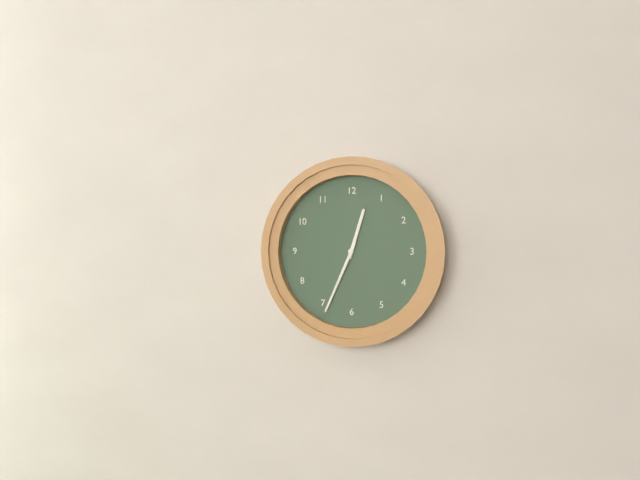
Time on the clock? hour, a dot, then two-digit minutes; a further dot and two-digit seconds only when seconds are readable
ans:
12.34
